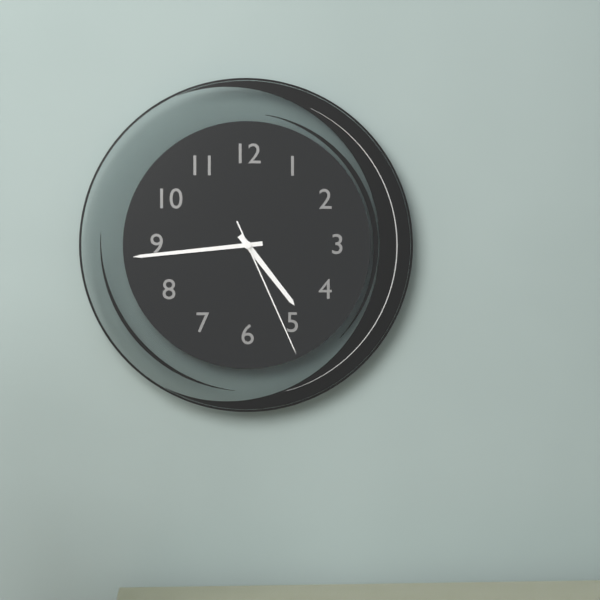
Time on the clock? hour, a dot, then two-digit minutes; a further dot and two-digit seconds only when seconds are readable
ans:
4.44.26
